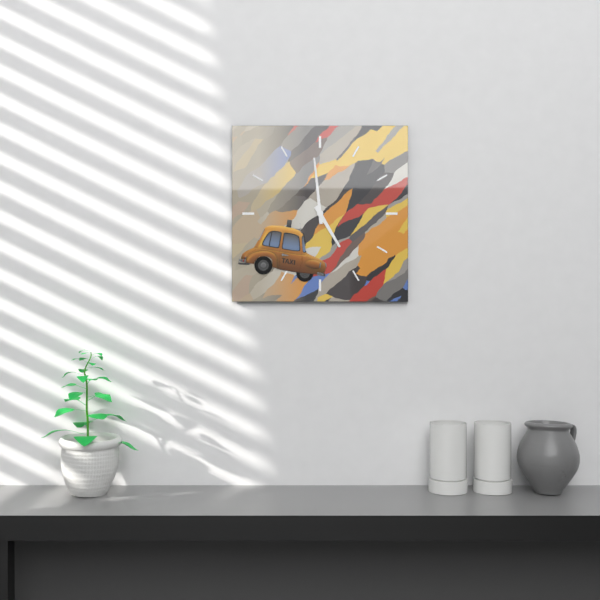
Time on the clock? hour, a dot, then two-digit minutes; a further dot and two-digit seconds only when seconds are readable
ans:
4.59
